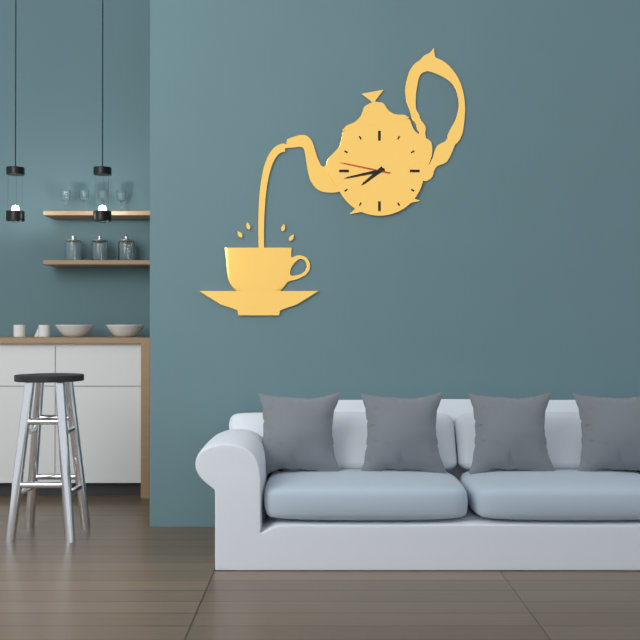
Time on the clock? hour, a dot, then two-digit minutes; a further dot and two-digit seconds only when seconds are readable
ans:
7.43.47
